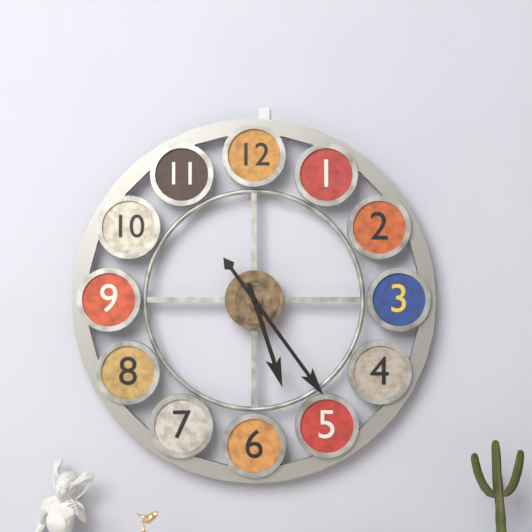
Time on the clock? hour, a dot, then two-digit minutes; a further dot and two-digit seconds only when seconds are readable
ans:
5.24
